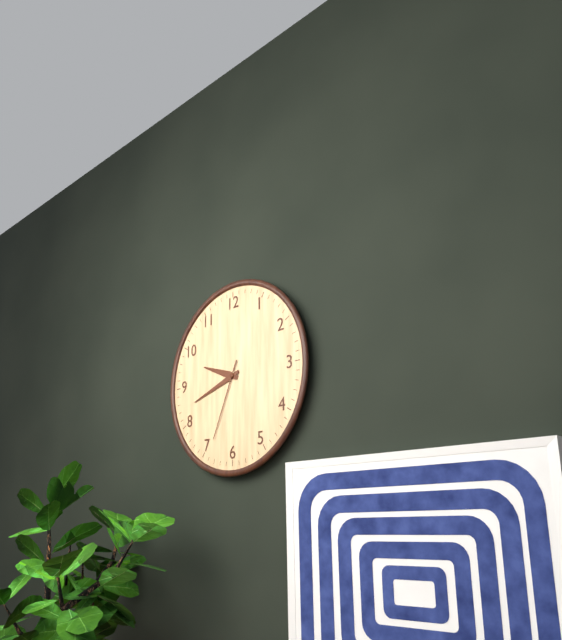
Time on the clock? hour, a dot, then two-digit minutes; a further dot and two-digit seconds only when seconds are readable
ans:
9.42.34
